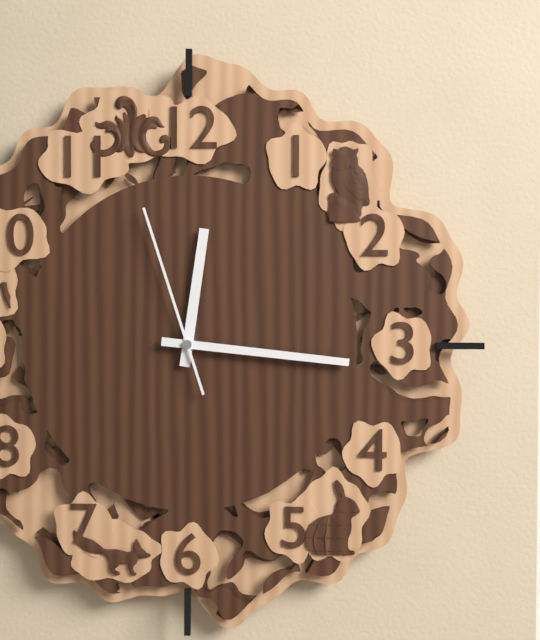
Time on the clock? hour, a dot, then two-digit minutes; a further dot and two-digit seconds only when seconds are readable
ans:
12.16.57
